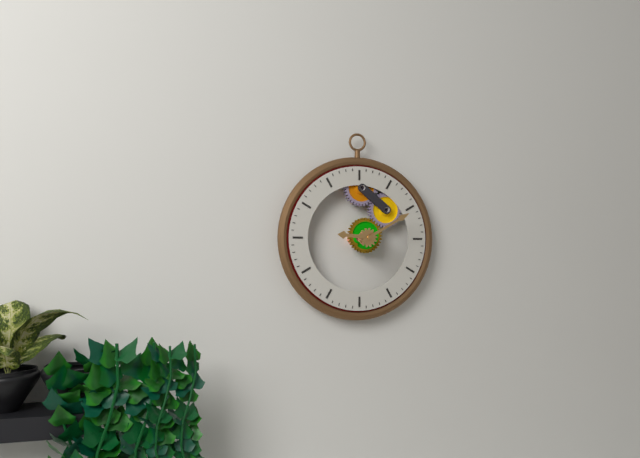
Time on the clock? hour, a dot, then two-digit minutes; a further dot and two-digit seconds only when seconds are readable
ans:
9.10
